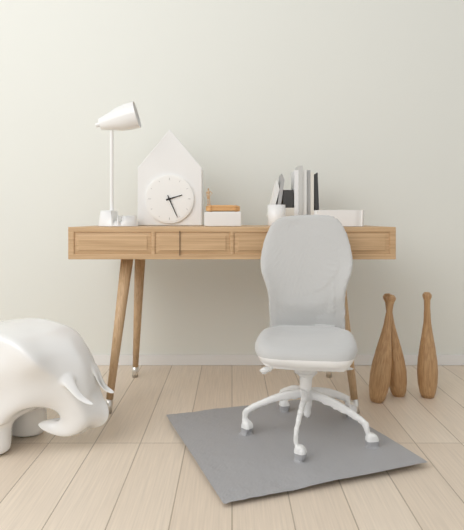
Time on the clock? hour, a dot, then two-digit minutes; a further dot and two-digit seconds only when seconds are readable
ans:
2.26
